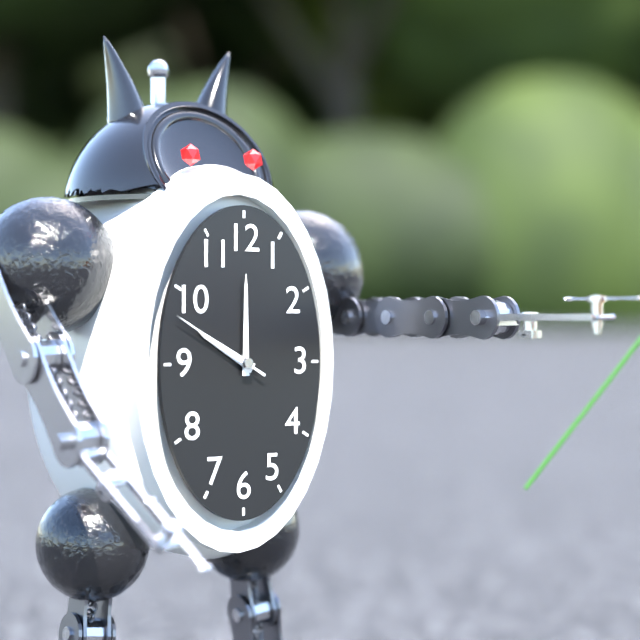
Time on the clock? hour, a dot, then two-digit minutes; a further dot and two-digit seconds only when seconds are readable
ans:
10.00.50
